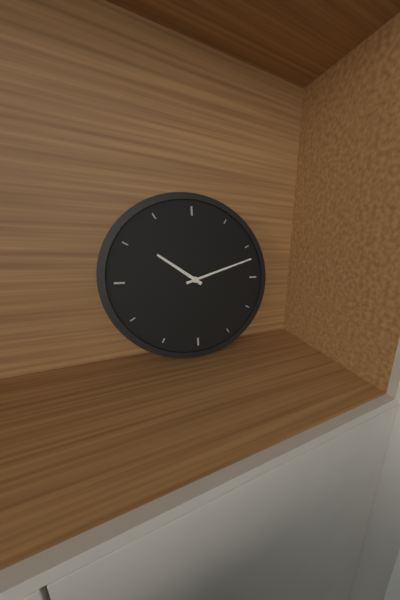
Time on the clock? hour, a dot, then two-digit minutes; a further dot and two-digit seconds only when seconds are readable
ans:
10.12
